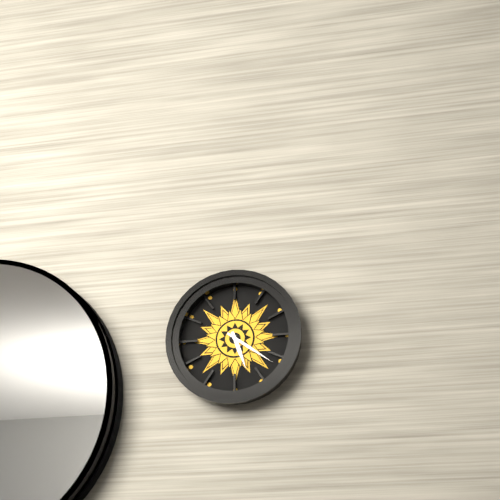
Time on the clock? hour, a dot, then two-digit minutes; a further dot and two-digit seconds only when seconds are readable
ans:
5.21
